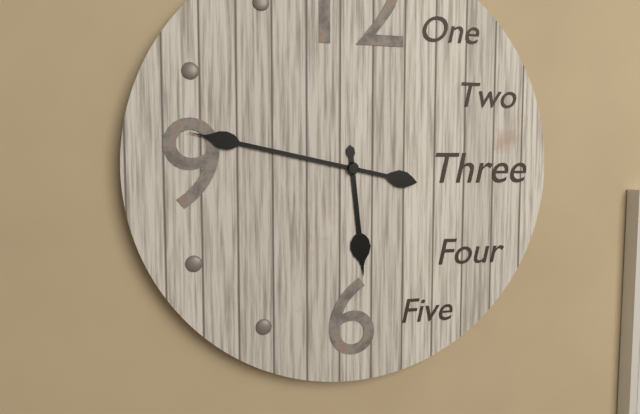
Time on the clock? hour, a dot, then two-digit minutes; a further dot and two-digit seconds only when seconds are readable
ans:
5.47
